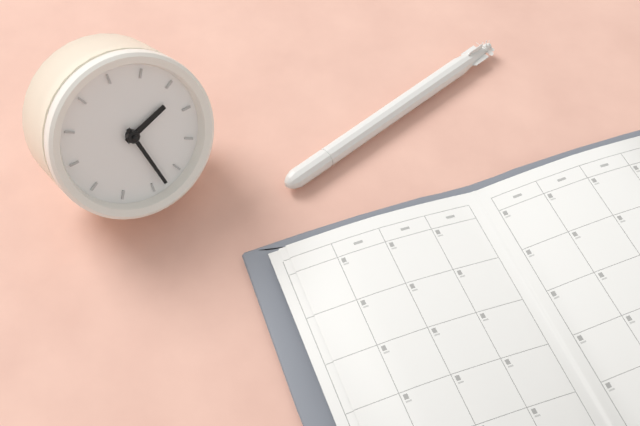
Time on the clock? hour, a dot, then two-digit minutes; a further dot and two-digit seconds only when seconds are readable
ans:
1.23
